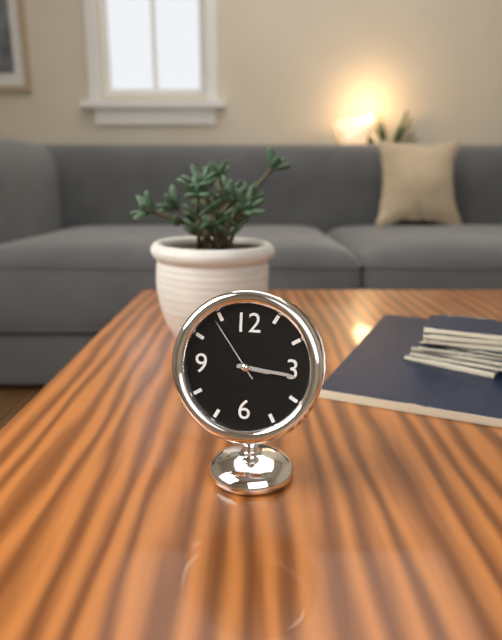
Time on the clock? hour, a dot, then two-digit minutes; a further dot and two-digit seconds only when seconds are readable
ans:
3.16.54
